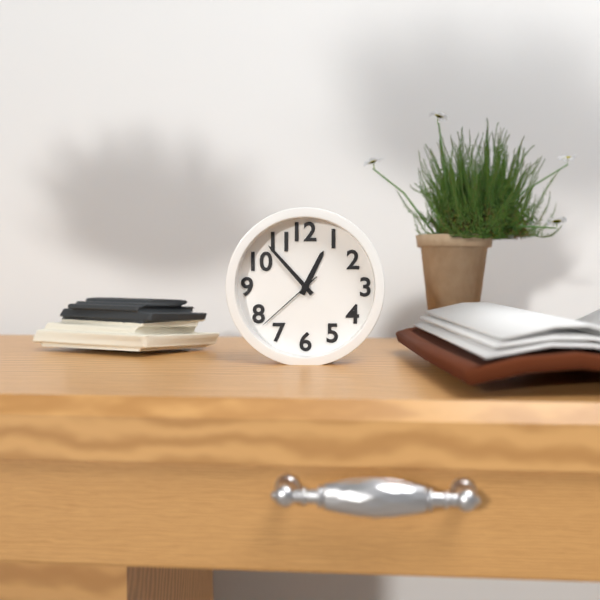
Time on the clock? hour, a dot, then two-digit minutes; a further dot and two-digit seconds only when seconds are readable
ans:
12.53.38
